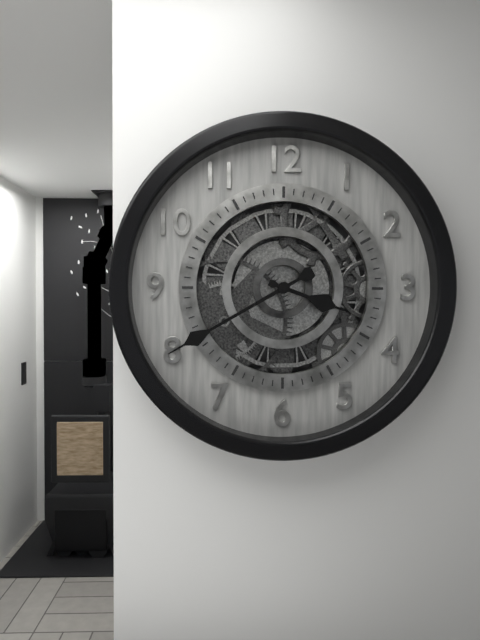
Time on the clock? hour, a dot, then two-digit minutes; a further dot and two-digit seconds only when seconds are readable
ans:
3.40
